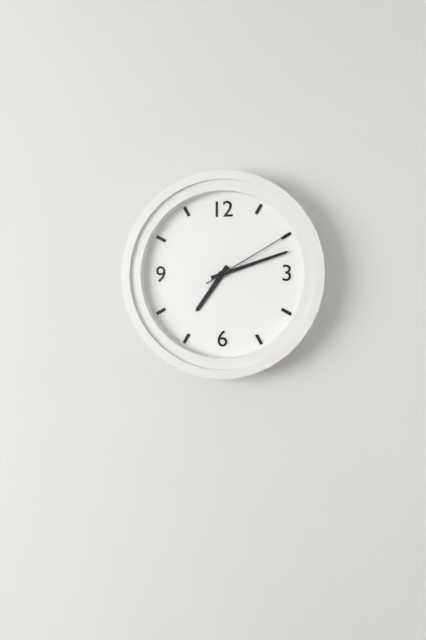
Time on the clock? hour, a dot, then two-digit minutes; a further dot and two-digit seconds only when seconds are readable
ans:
7.12.10
